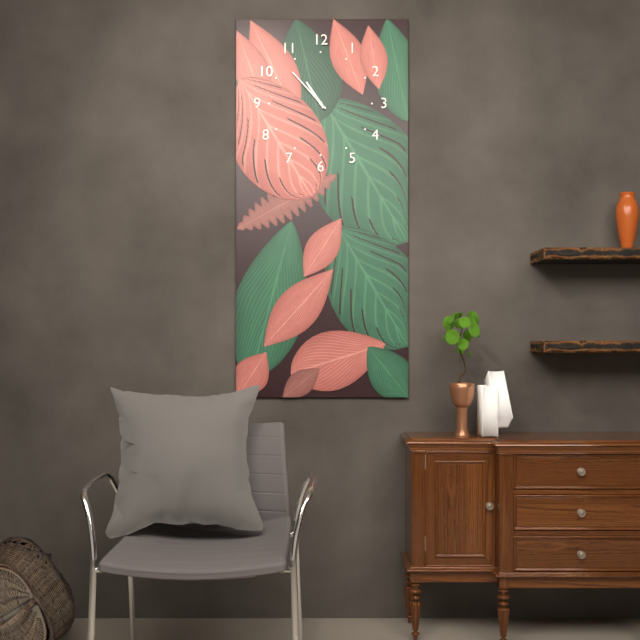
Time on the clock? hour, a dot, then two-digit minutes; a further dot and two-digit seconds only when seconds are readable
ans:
10.53
